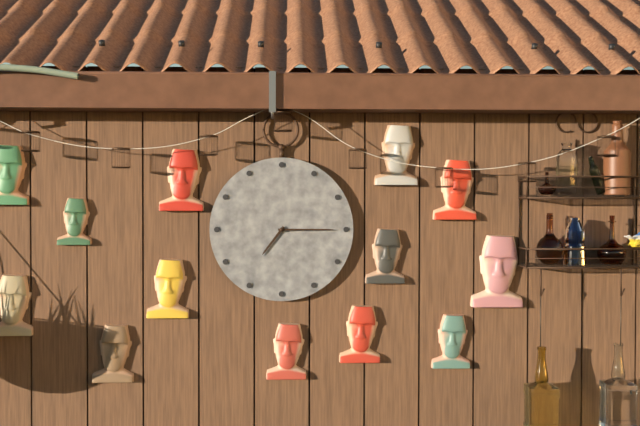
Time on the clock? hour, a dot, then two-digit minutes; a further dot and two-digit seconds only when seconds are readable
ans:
7.15
